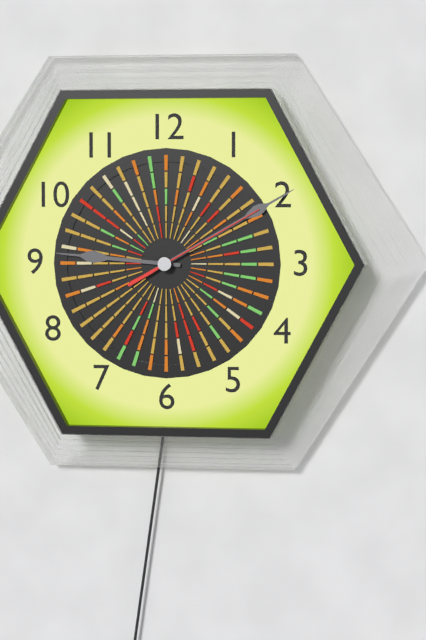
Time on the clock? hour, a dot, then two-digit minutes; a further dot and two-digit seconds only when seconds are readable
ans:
9.10.10
